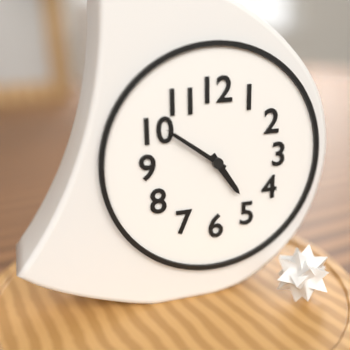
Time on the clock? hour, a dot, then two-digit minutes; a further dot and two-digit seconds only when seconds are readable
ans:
4.51
